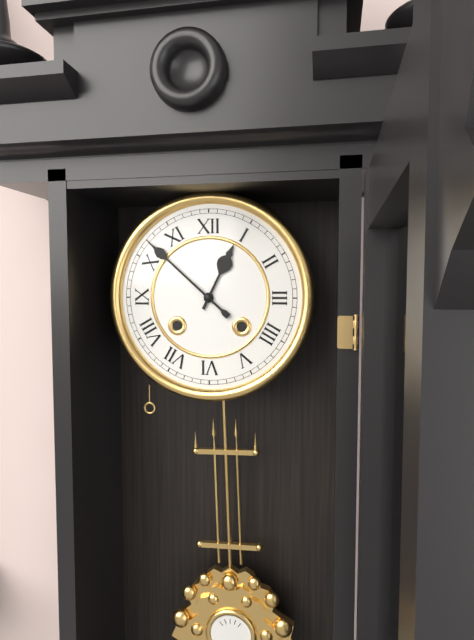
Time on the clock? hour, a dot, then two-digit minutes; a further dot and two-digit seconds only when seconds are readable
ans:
12.52
